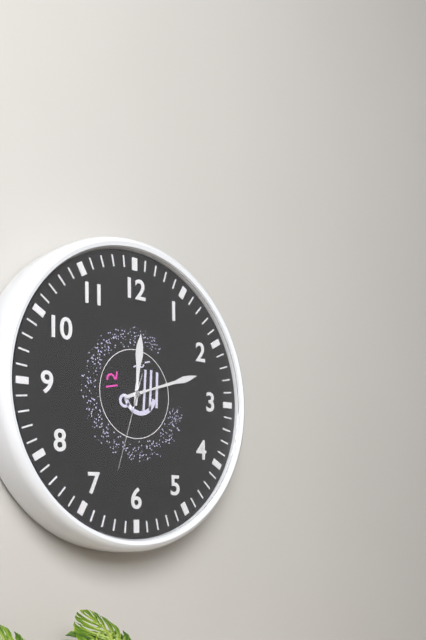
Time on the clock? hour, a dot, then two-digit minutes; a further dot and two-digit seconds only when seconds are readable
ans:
12.12.33
